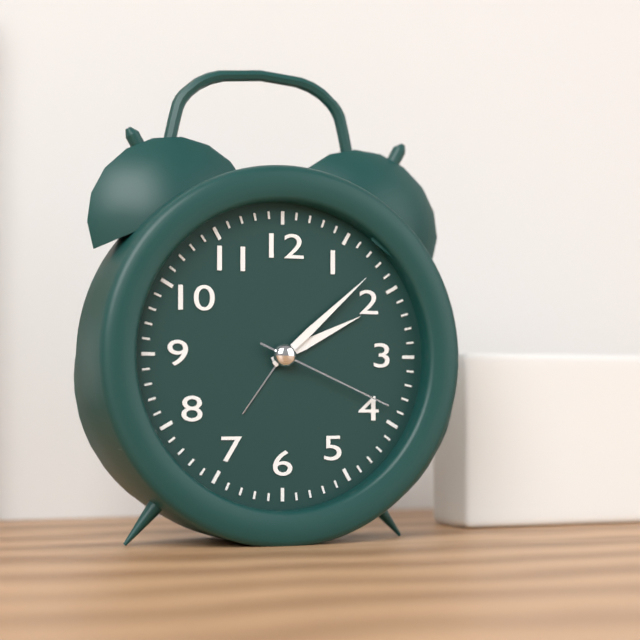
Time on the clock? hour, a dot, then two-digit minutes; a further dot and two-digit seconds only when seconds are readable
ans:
2.08.19
